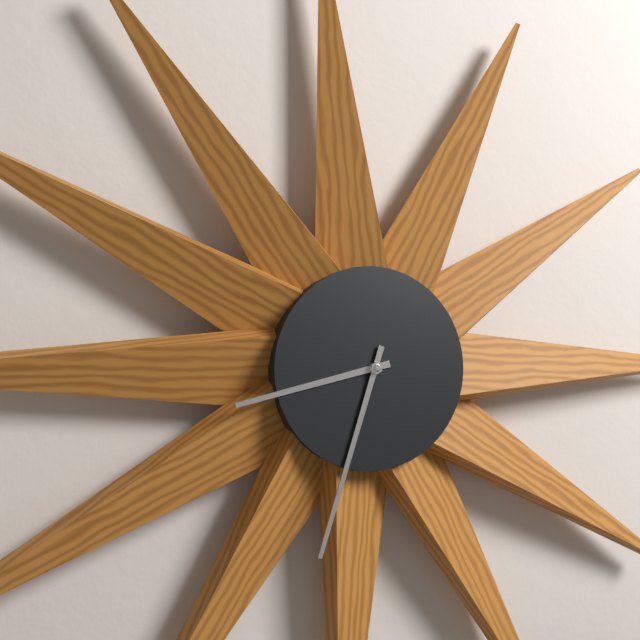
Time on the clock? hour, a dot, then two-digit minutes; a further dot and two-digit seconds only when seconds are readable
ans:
8.33
